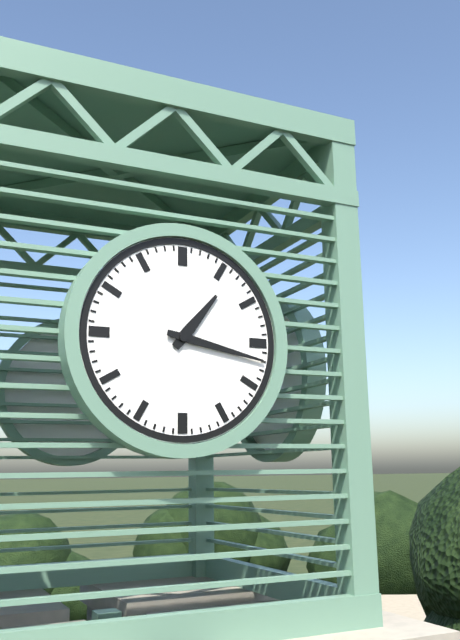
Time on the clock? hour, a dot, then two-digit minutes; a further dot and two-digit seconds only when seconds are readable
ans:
1.17
